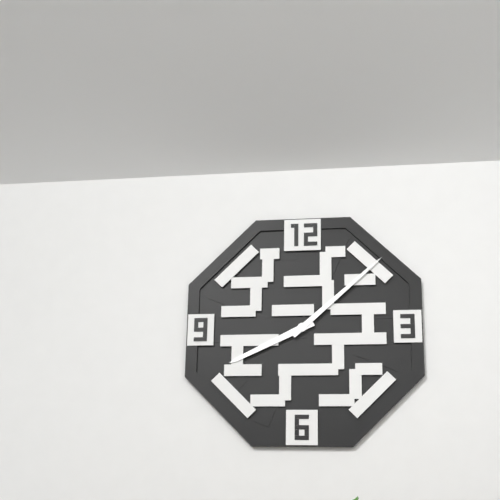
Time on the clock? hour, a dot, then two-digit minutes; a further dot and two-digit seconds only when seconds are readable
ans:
8.08
